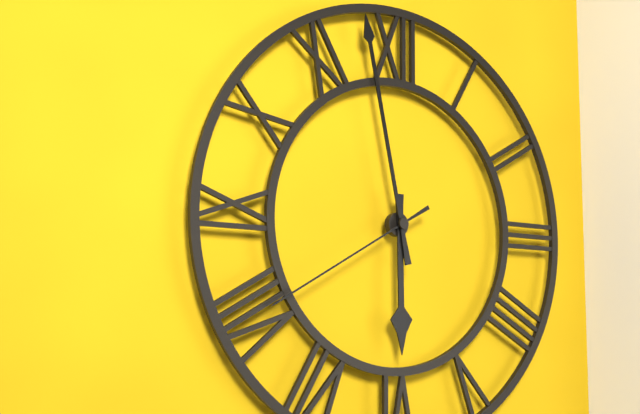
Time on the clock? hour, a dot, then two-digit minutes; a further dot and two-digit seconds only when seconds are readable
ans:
5.58.40
